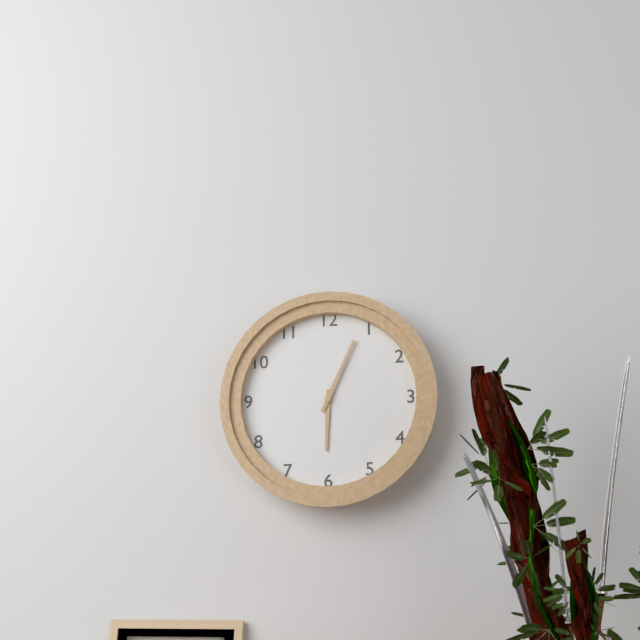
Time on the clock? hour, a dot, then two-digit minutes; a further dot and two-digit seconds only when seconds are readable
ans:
6.04
